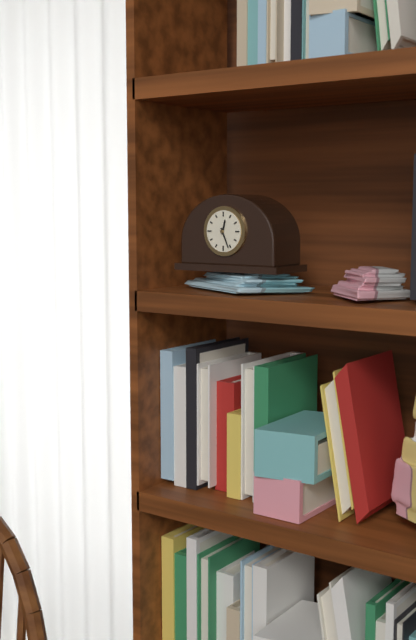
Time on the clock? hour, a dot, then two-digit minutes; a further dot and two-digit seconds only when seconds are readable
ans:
12.26
